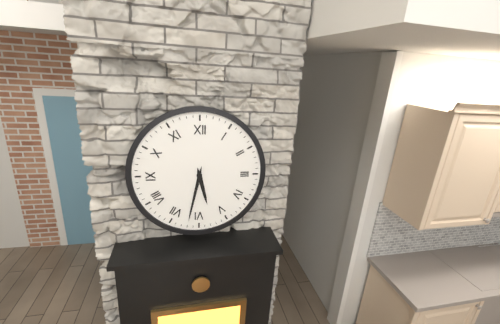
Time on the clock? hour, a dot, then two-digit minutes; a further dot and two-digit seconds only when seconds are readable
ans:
5.32
